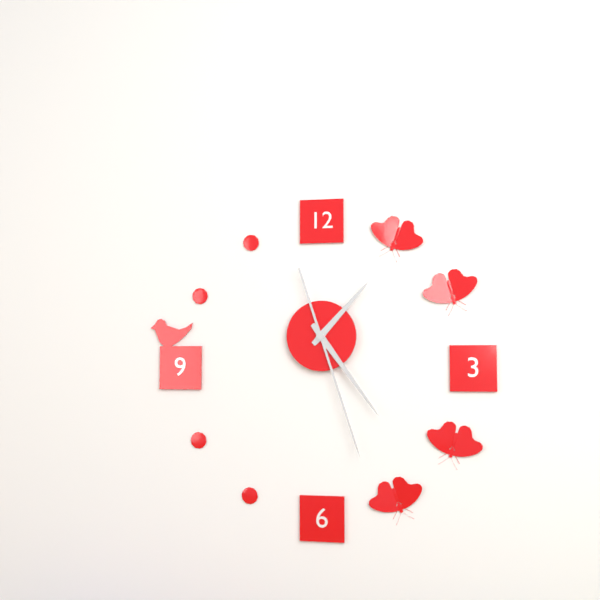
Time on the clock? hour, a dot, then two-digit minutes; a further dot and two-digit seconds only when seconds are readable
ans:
1.24.27
